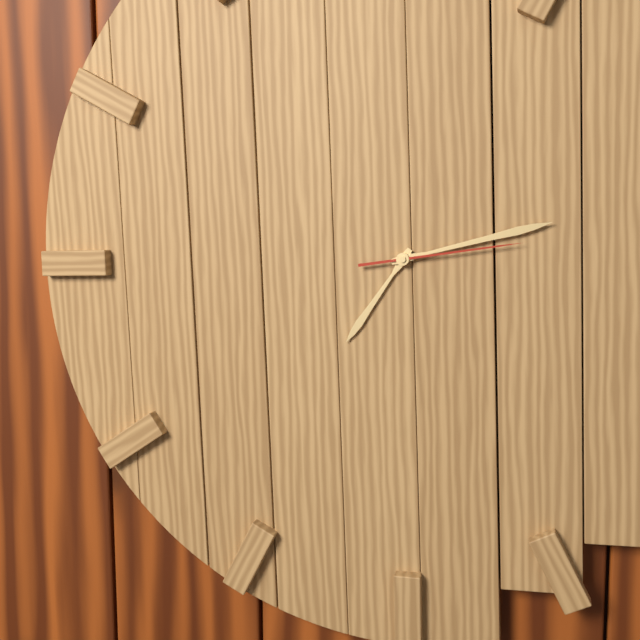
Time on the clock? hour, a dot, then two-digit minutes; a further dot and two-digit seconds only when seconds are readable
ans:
7.13.14
